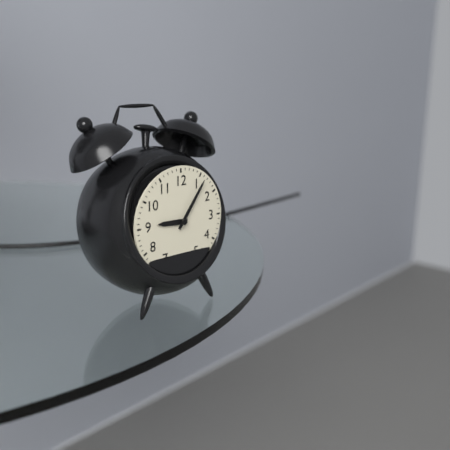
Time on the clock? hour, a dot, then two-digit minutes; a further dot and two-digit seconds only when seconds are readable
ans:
9.06
